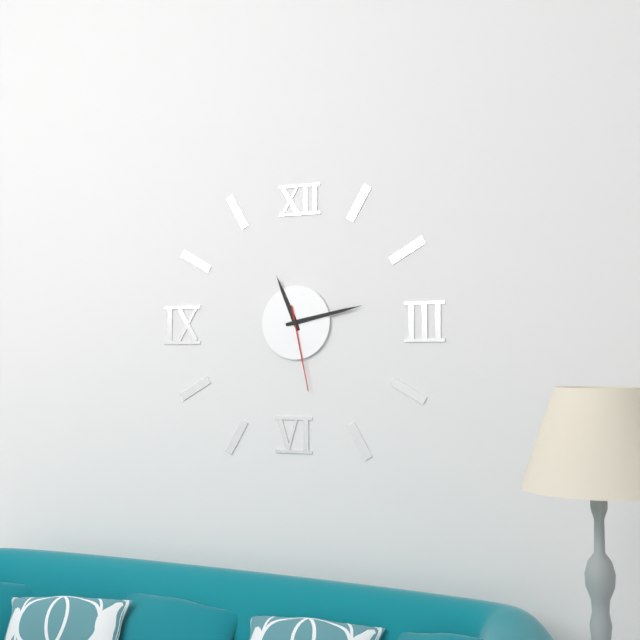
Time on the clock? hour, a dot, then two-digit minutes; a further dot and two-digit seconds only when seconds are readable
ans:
11.13.28
